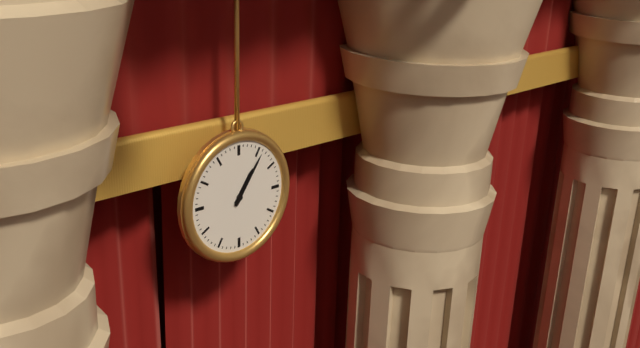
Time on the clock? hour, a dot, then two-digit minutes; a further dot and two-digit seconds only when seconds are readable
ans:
1.06
